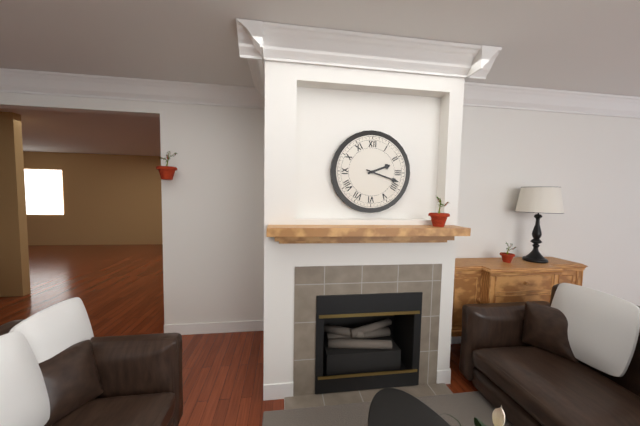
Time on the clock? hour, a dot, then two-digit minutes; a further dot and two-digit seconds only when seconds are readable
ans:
2.18
